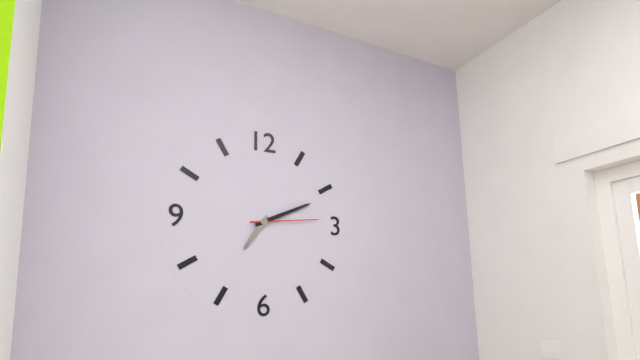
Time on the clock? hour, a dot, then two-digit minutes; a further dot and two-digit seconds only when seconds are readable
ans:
7.11.14
